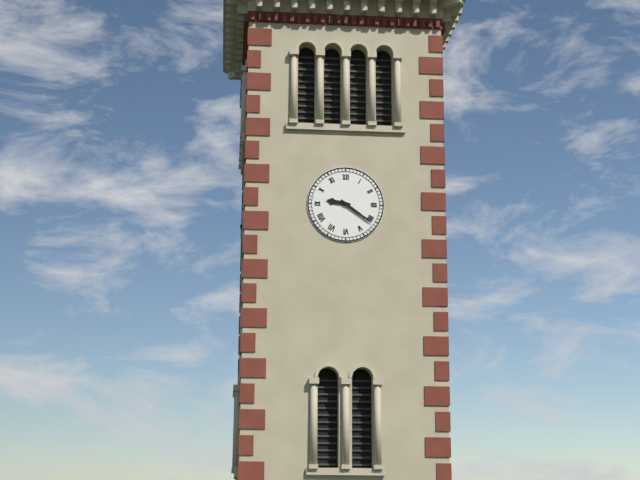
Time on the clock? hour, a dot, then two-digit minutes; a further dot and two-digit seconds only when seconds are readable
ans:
9.21
